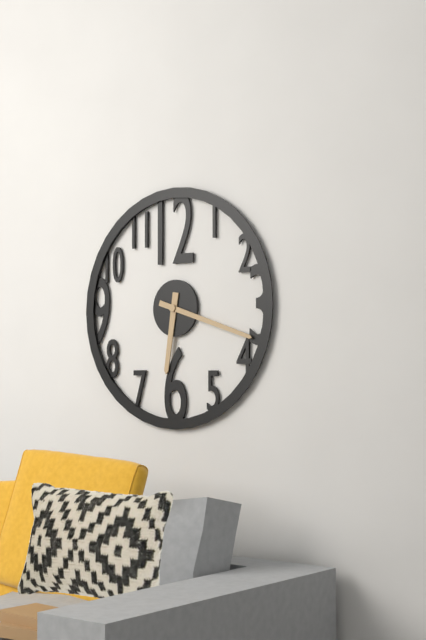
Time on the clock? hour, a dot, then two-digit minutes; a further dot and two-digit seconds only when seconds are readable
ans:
6.18
